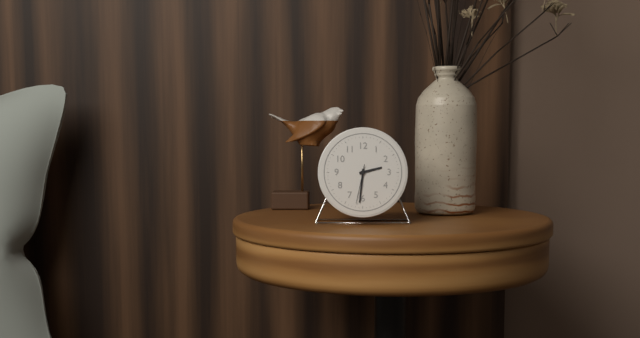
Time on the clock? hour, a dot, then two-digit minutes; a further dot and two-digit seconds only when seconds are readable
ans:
2.31
